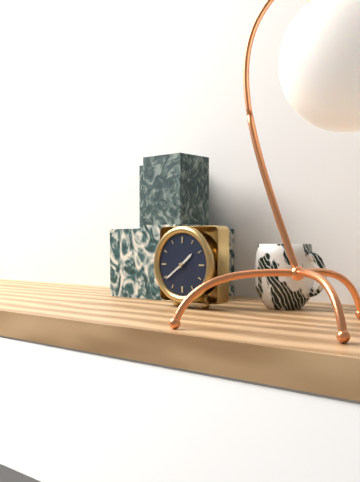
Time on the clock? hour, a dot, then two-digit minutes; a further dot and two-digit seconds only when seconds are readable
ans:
1.39
